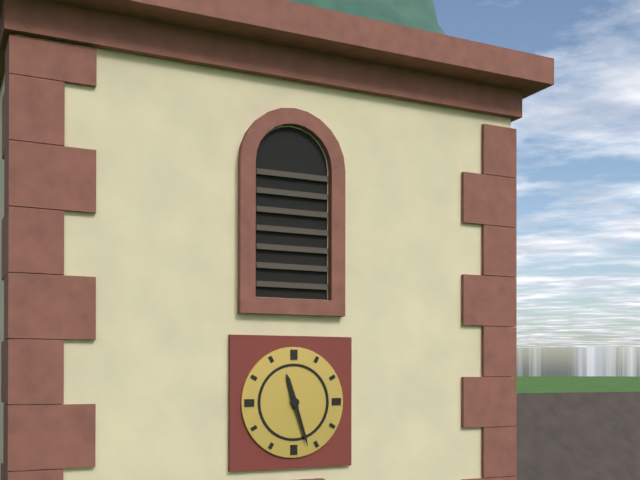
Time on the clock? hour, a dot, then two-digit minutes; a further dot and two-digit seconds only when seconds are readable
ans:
11.27
